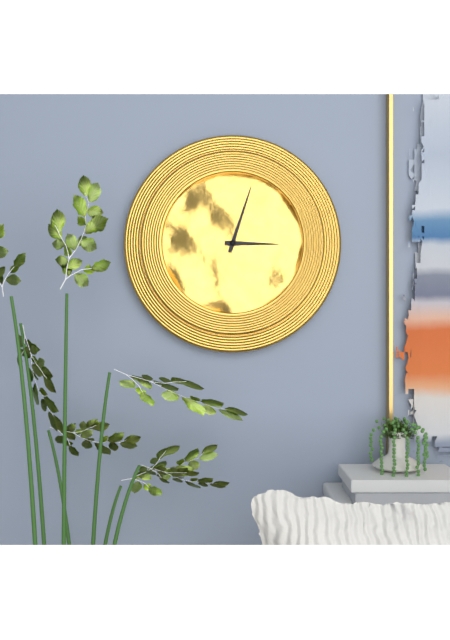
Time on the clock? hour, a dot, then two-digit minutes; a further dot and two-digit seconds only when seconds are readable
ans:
3.03
